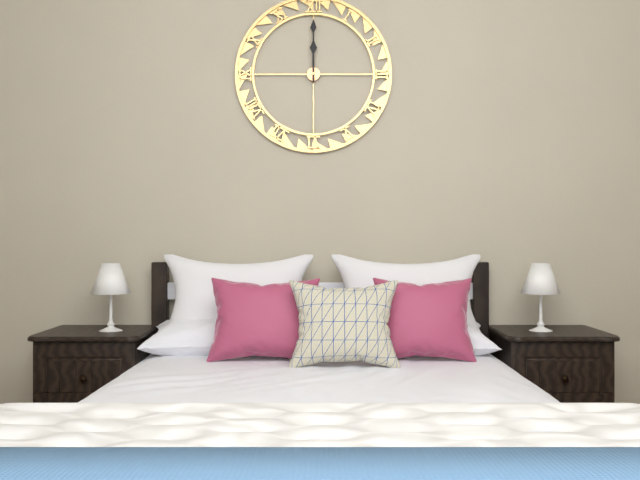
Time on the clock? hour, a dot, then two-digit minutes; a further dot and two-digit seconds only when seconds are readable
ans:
12.00
